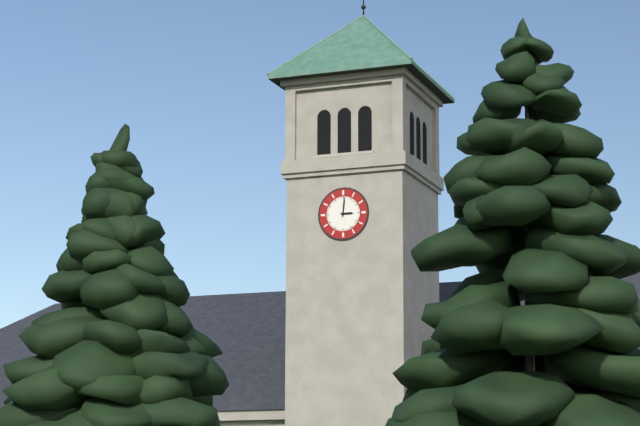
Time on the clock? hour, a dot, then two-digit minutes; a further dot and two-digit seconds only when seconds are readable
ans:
3.01
